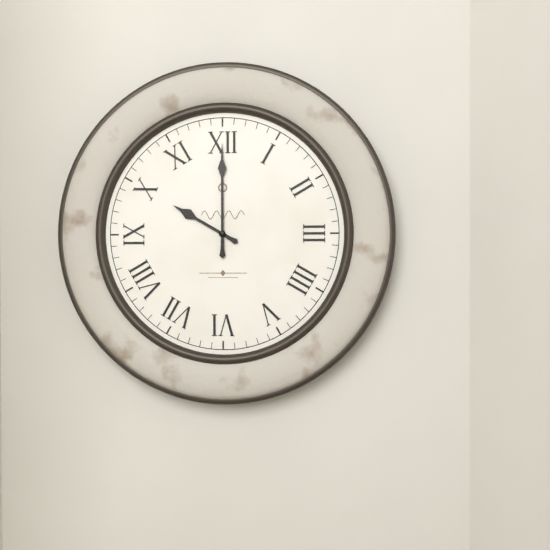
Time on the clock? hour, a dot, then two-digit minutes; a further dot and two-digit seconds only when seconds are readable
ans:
10.00
